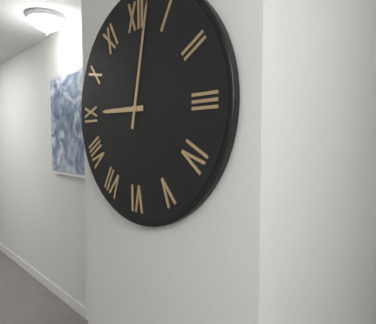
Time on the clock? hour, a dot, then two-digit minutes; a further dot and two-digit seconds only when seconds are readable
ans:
9.02
